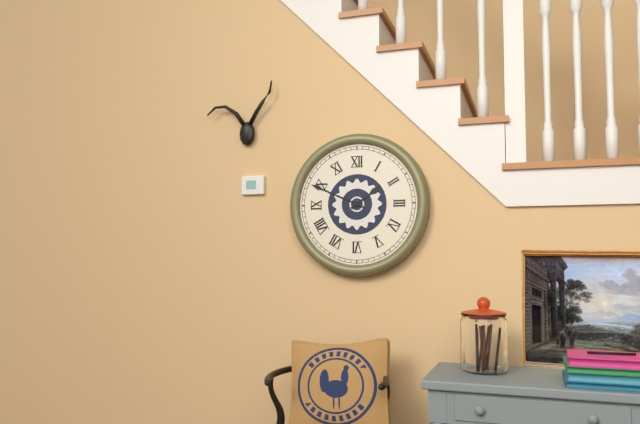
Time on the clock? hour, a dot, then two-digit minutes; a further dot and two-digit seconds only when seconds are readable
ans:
1.49
